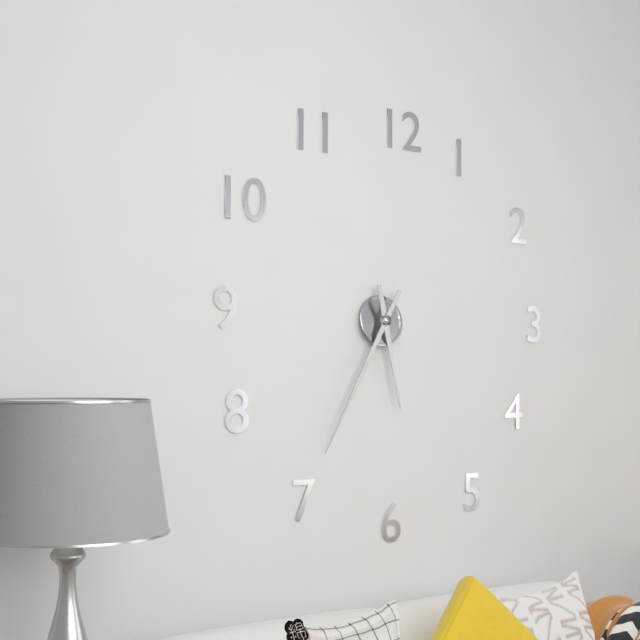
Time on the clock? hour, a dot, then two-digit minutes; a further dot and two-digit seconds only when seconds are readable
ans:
5.35
